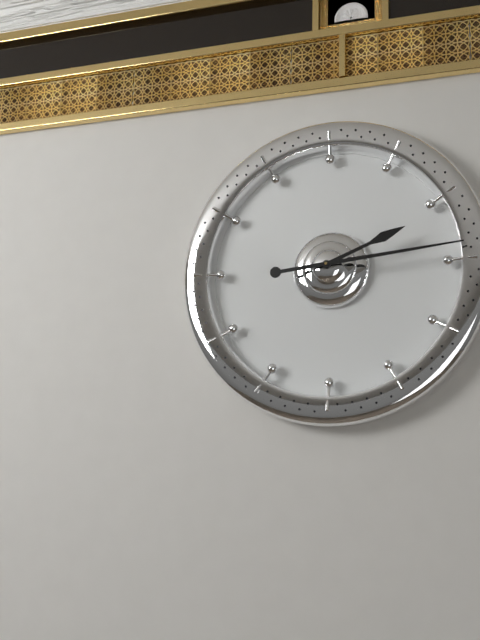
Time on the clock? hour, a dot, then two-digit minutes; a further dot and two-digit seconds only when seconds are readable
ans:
2.14
